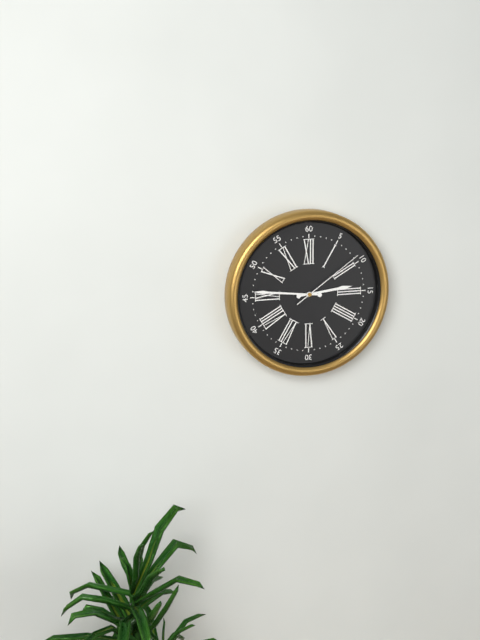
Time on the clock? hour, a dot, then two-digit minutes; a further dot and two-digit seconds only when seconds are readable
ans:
2.46.09
